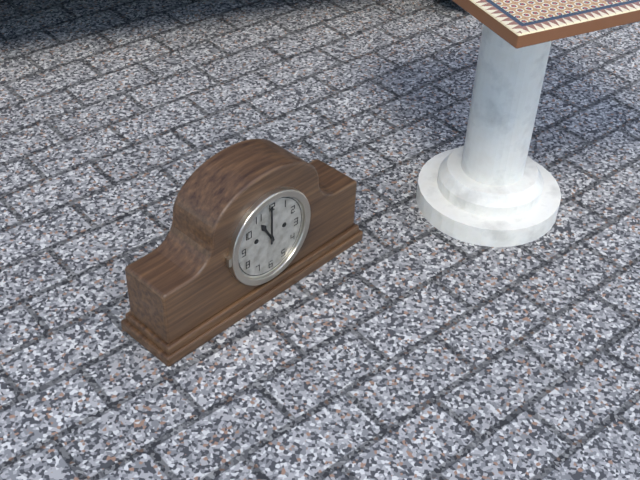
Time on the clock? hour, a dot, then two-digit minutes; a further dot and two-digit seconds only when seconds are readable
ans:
11.00
